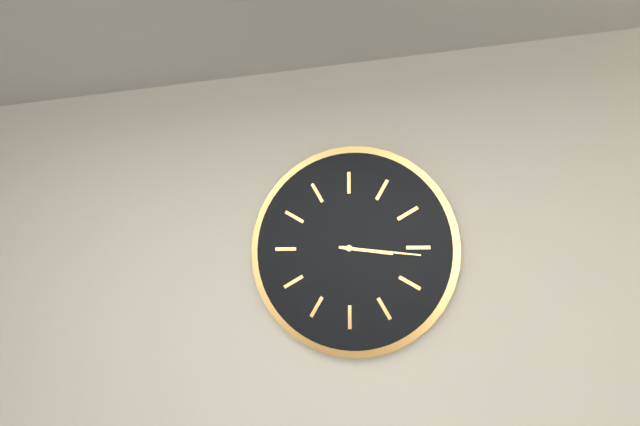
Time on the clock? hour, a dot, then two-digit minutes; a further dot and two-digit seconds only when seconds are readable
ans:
3.16
